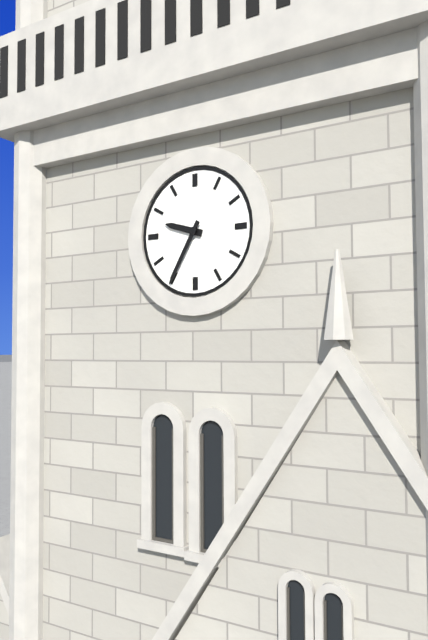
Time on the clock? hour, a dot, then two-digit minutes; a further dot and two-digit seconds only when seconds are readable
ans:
9.35
